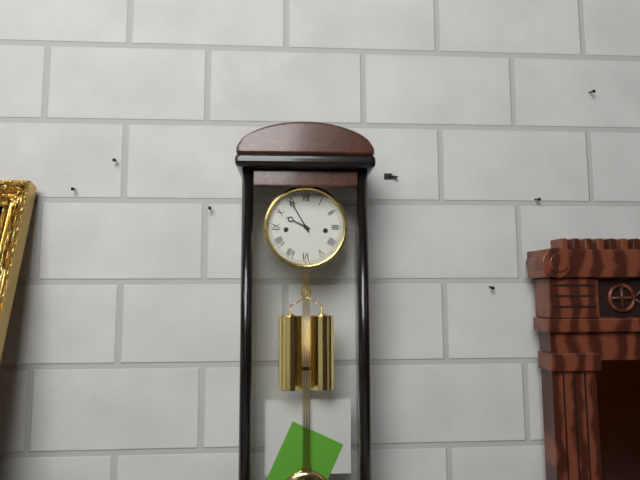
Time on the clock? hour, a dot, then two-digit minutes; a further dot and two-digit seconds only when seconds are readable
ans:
9.55
